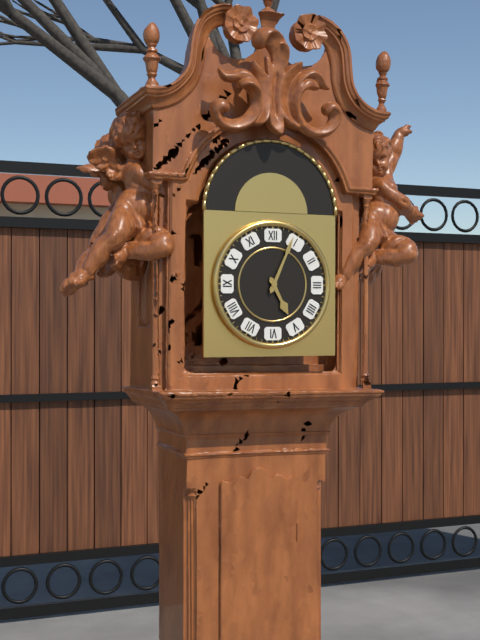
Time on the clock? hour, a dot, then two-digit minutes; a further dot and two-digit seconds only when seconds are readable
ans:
5.04
